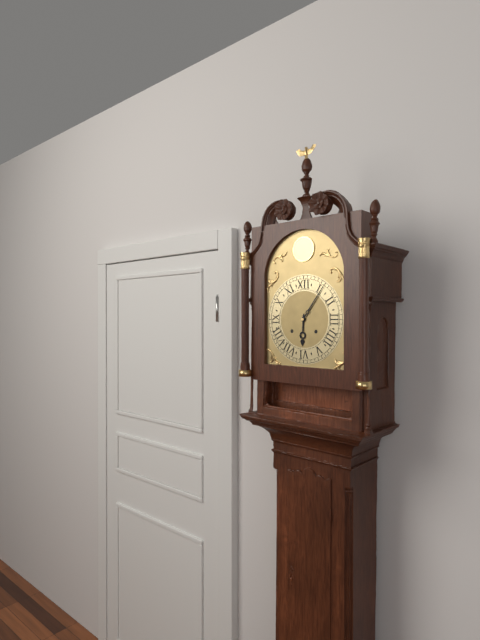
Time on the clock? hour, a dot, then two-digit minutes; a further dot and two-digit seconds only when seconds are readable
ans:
6.06
